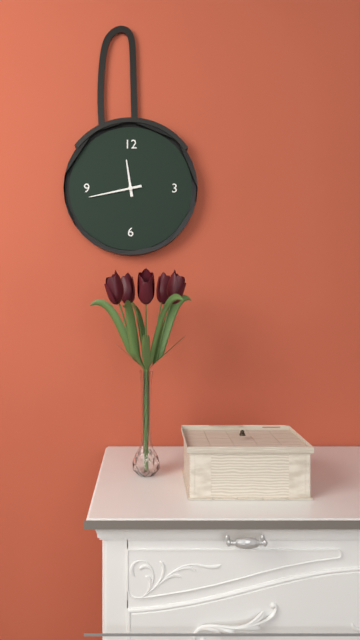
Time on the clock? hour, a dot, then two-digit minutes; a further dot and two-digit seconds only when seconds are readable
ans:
11.43
